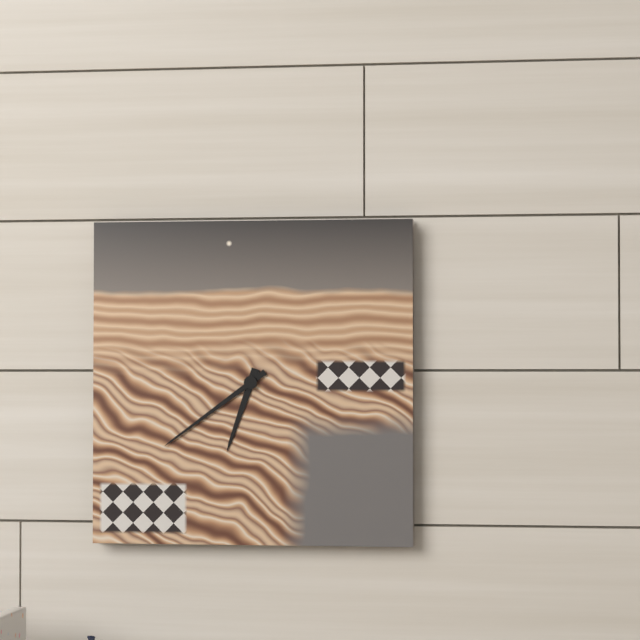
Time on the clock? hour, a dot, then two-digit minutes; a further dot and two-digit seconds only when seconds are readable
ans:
6.39
